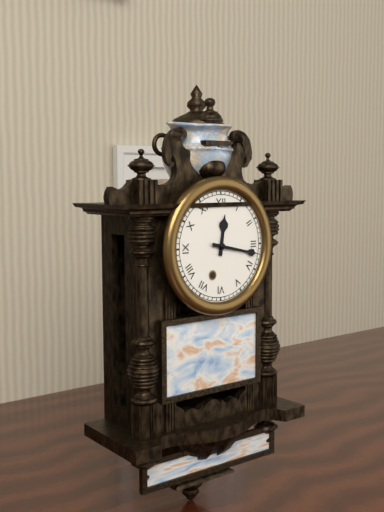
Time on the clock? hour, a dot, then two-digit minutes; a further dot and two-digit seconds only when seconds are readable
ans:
12.17
